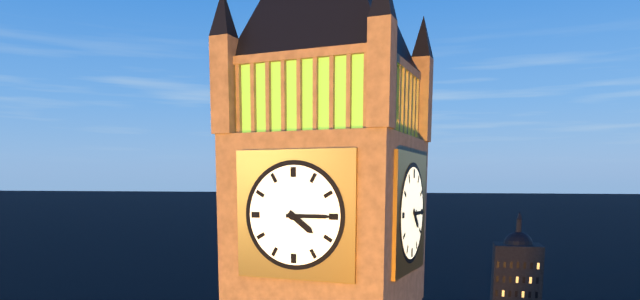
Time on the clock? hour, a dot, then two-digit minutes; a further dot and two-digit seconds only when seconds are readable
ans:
4.15
